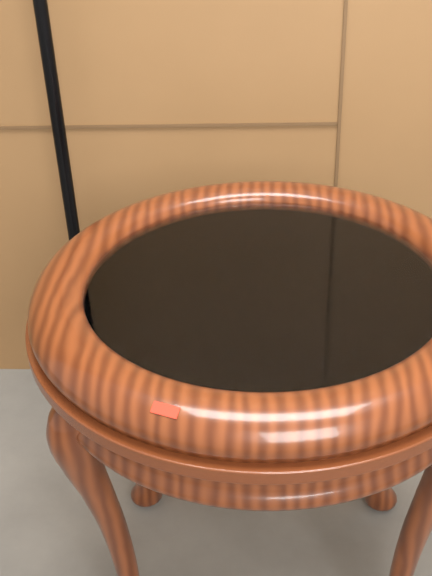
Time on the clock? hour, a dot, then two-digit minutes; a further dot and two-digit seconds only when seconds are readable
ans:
12.49
